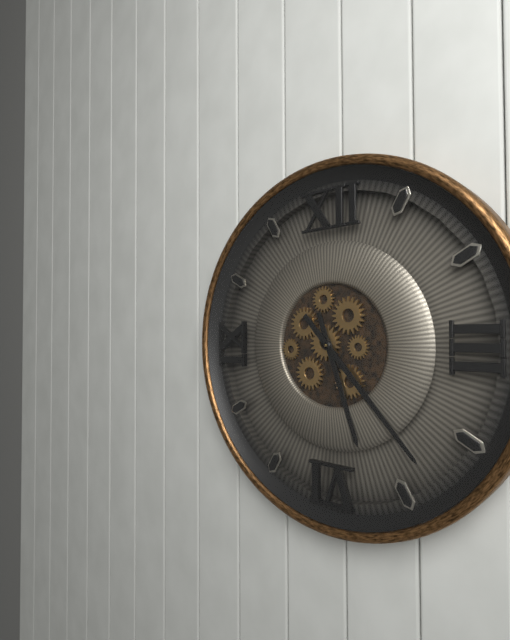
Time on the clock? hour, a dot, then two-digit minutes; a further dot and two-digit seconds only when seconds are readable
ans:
5.23
